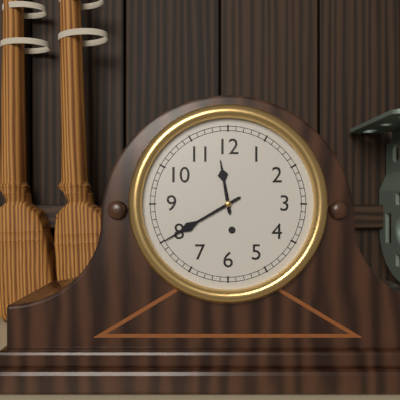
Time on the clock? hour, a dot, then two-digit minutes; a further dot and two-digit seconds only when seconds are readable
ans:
11.40
